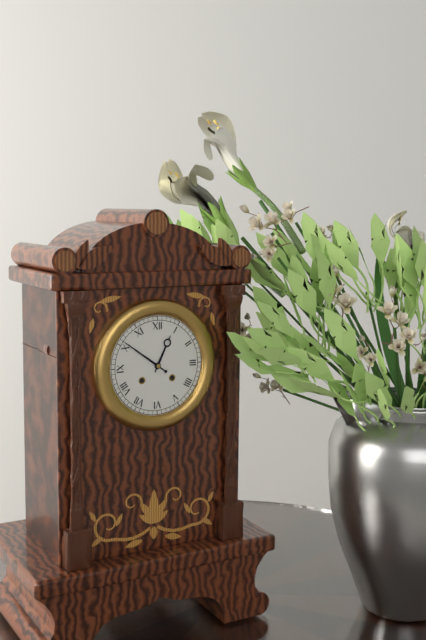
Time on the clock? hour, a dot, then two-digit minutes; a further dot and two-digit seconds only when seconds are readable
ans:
12.51
